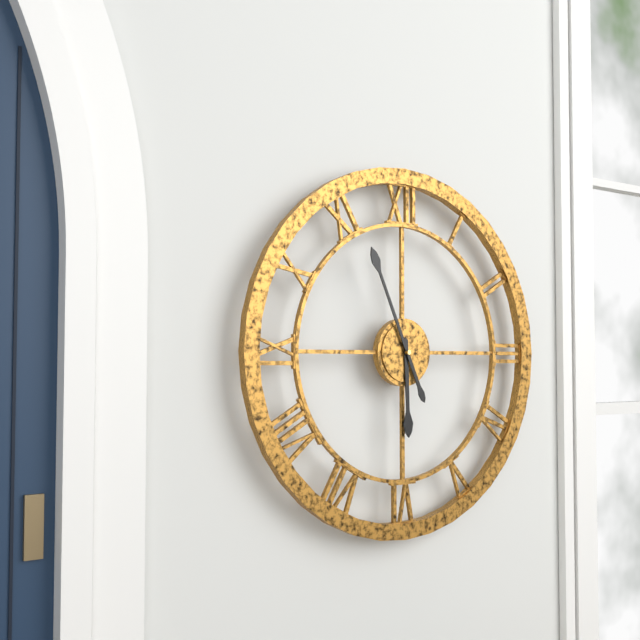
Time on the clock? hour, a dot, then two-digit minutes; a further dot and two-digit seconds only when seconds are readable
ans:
5.56
